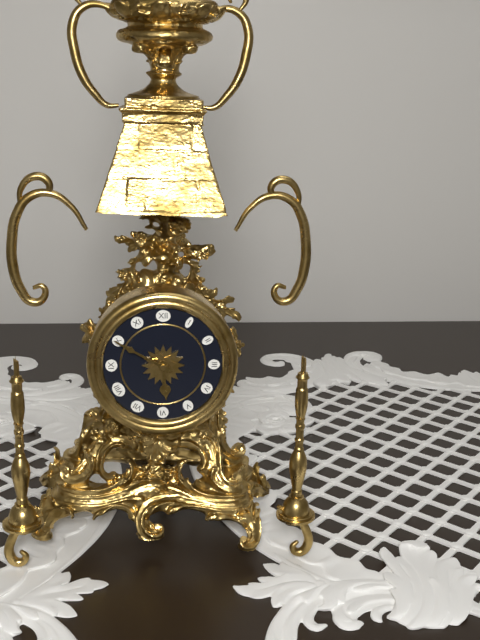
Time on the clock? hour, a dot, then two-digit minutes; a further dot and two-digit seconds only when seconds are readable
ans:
5.50
